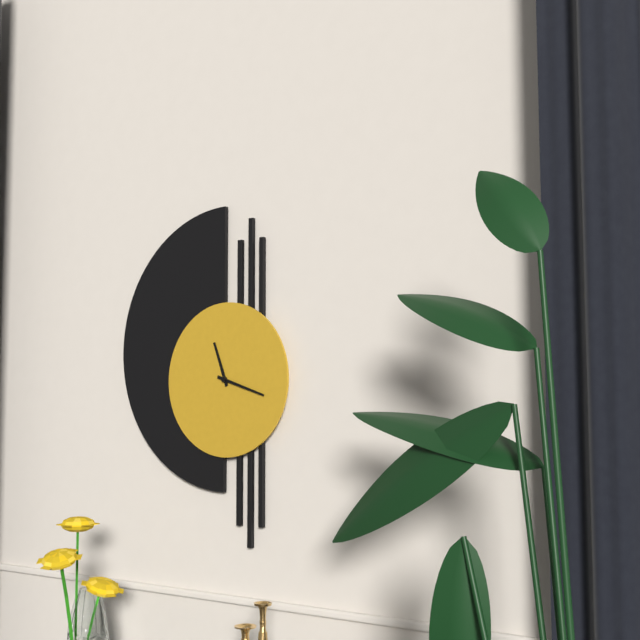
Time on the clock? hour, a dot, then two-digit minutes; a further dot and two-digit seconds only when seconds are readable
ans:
11.18
